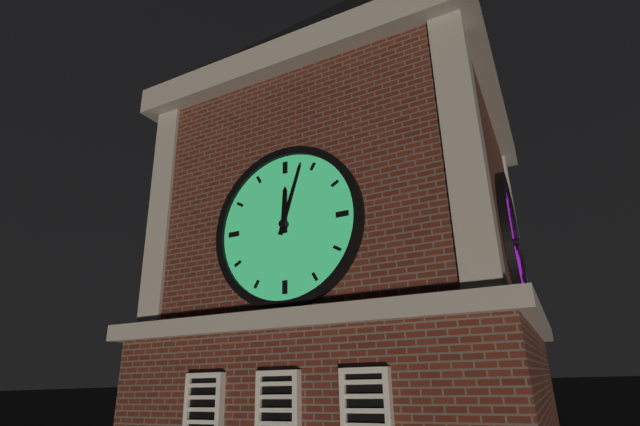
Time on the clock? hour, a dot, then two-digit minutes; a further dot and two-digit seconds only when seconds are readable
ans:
12.03
